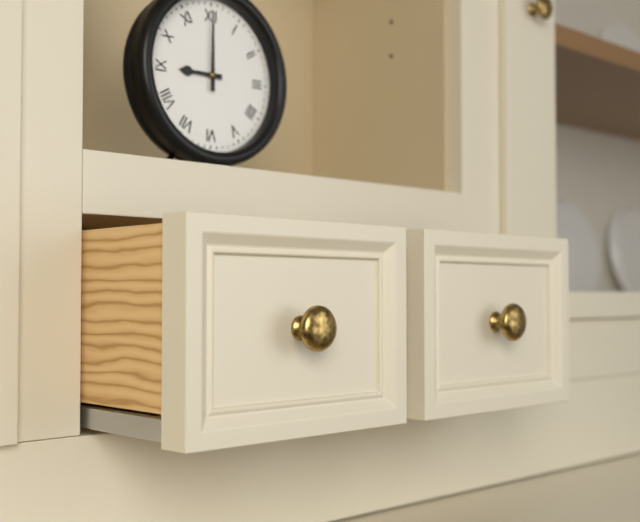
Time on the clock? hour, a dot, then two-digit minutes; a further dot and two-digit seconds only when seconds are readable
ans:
9.00
